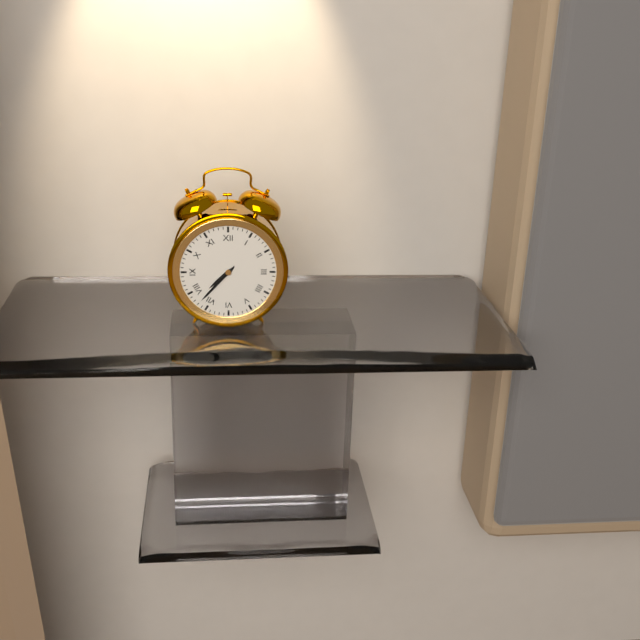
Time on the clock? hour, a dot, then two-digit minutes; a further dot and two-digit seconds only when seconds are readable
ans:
7.37
